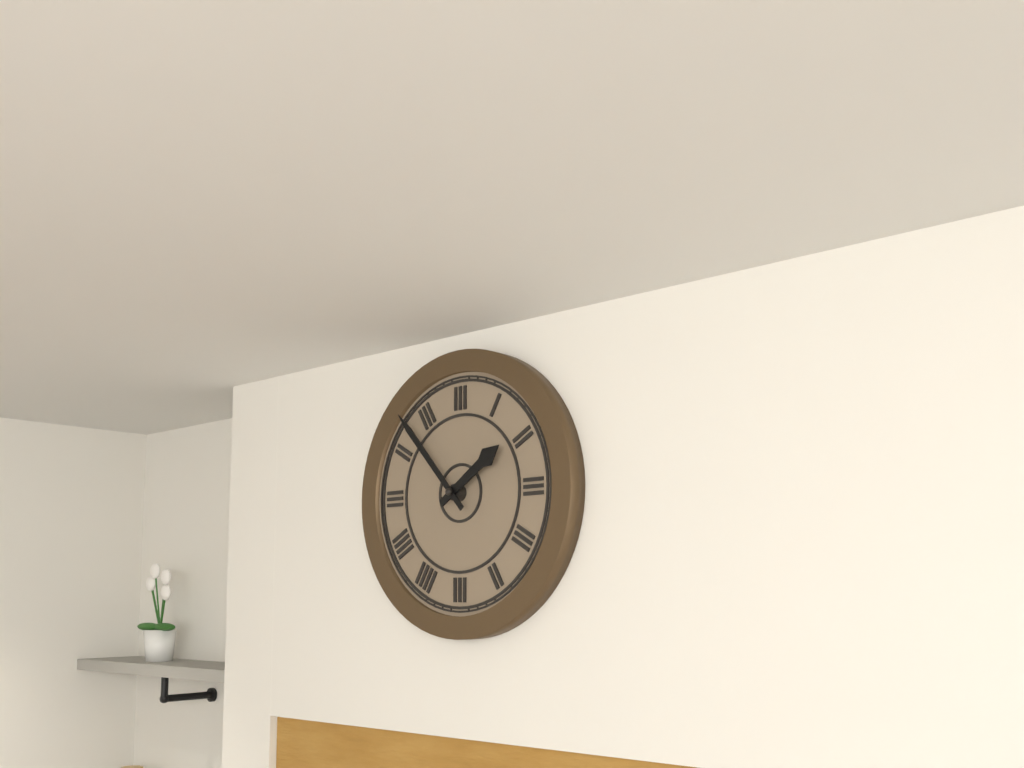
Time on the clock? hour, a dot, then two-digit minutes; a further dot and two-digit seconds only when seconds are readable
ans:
1.53
